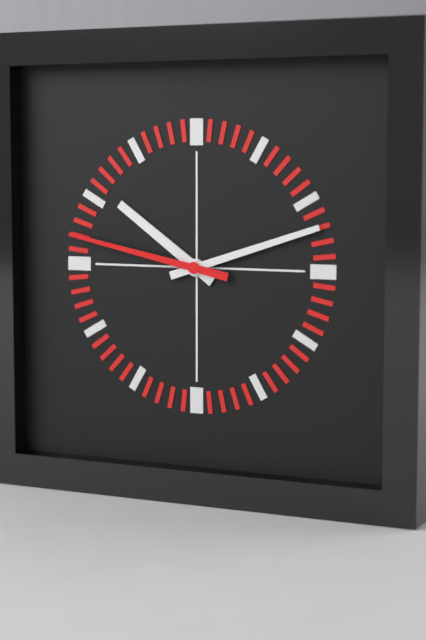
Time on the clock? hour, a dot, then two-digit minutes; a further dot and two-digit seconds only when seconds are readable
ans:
10.12.47
